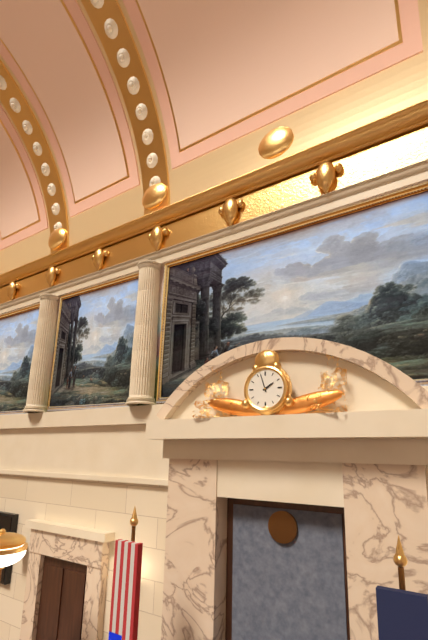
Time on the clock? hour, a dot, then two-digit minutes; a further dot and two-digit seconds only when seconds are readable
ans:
1.57
